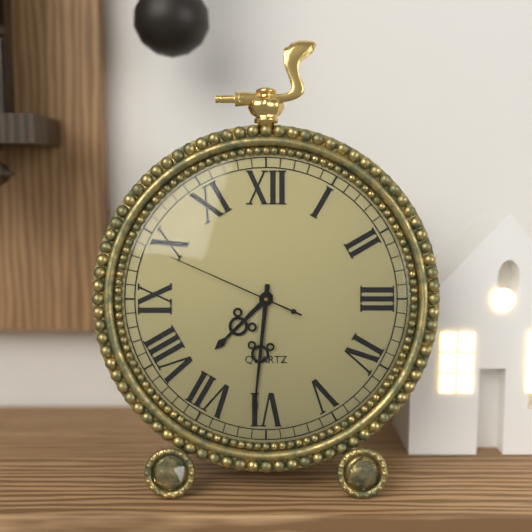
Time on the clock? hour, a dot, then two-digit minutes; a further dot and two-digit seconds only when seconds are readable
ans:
7.31.49
